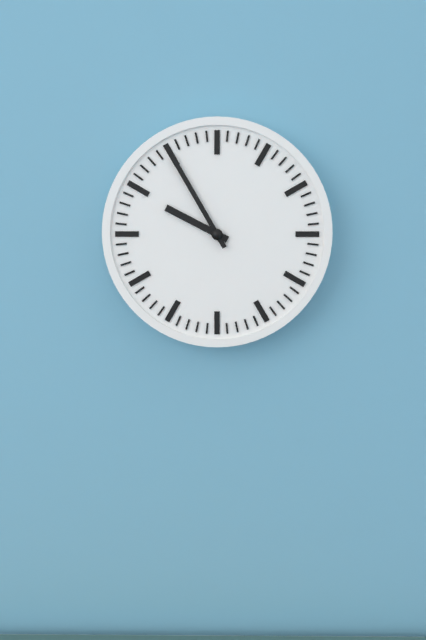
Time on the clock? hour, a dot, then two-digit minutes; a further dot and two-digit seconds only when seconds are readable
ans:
9.55
